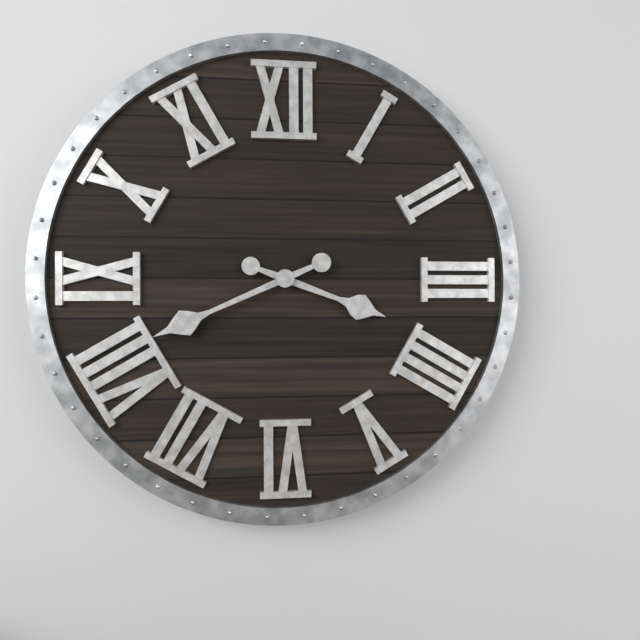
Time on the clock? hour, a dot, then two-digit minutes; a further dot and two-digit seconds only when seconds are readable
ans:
3.41
